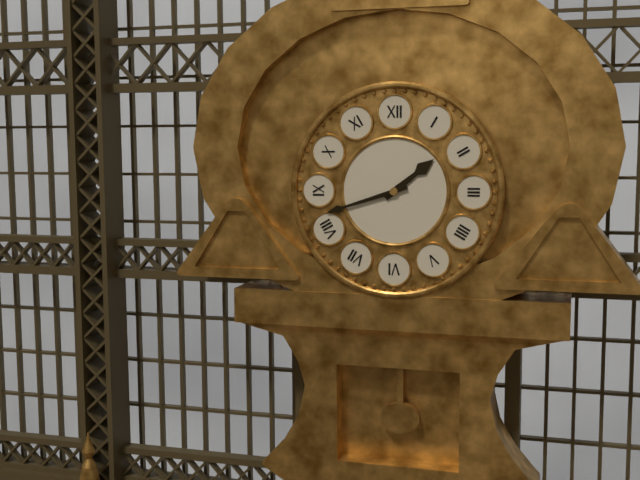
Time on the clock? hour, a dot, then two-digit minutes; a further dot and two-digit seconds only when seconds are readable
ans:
1.42
